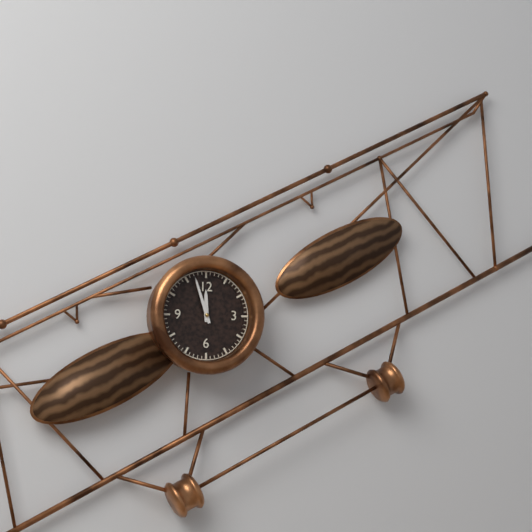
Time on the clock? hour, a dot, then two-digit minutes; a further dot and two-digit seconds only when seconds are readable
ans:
11.57
